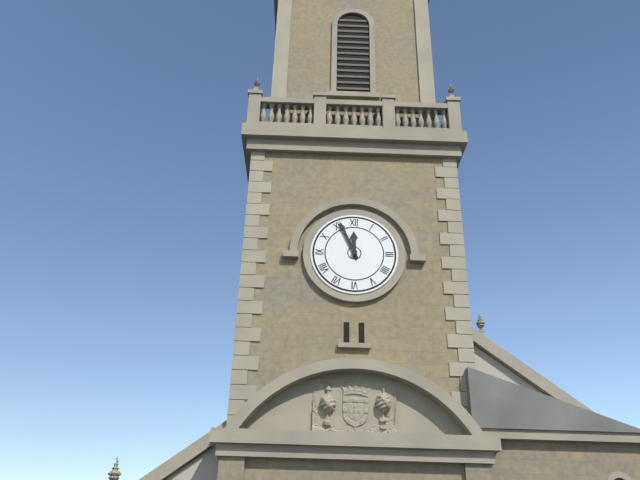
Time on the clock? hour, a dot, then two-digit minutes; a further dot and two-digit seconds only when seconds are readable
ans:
11.56
